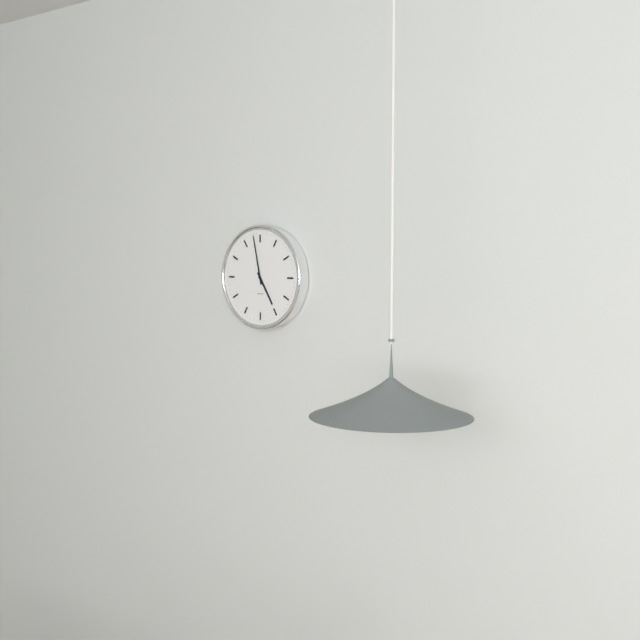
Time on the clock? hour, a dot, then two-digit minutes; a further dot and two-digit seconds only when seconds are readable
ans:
4.58
